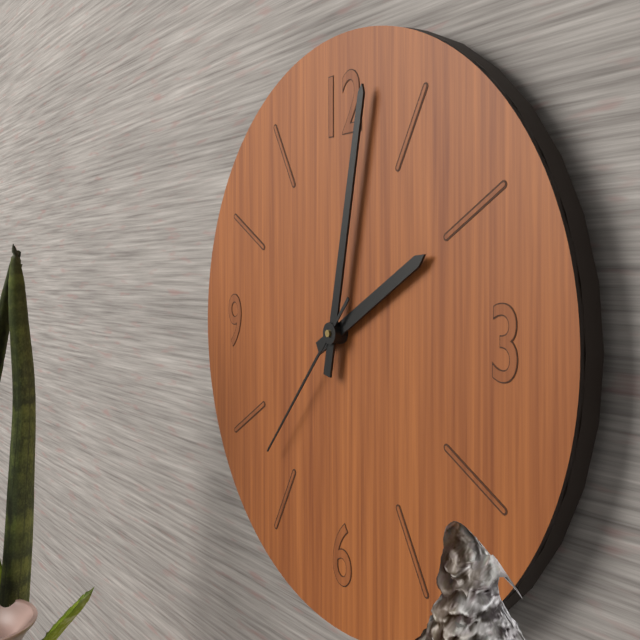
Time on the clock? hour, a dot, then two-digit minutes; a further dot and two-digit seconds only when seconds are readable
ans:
2.02.37
